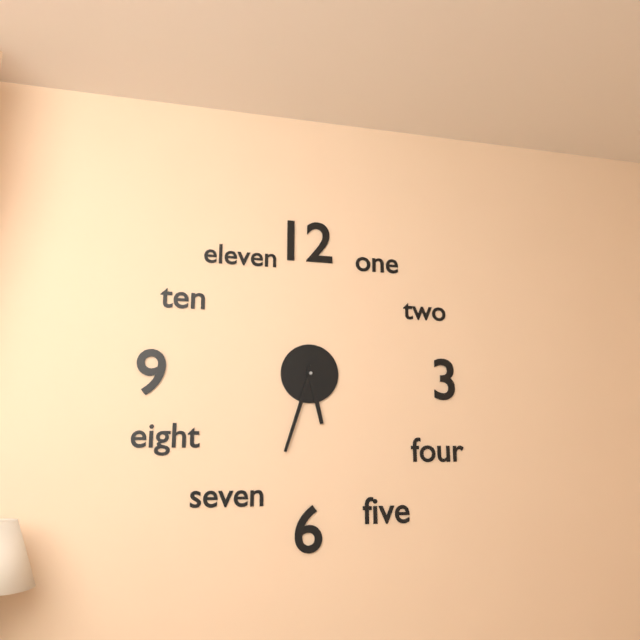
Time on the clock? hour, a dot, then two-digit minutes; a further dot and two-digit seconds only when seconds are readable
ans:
5.33
